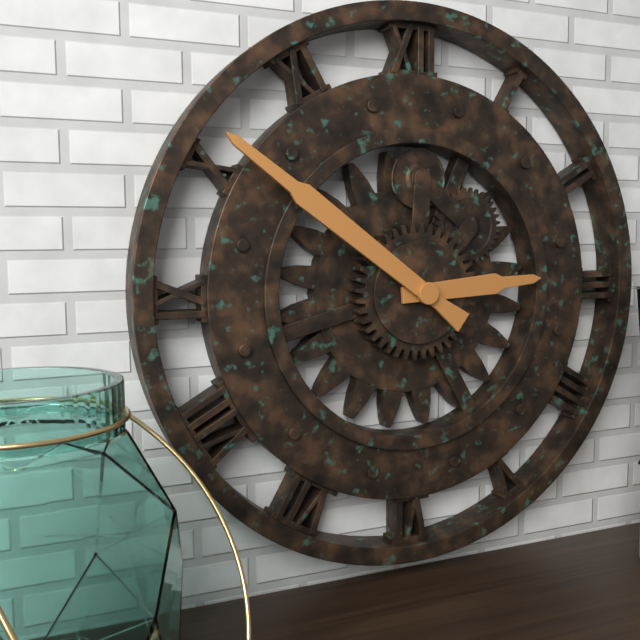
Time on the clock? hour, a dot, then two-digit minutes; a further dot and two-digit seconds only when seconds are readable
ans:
2.51
